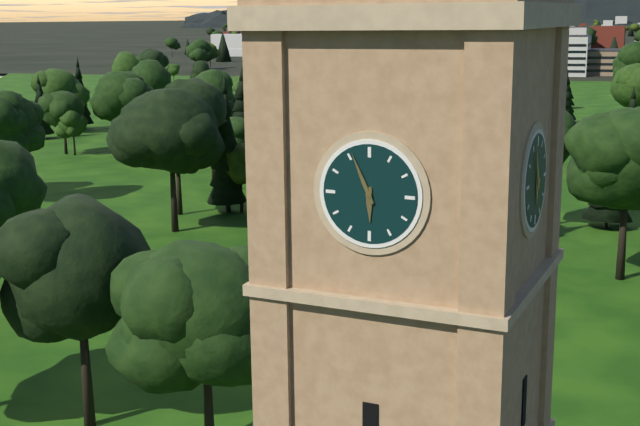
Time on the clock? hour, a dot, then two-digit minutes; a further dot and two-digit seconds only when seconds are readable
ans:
5.56
